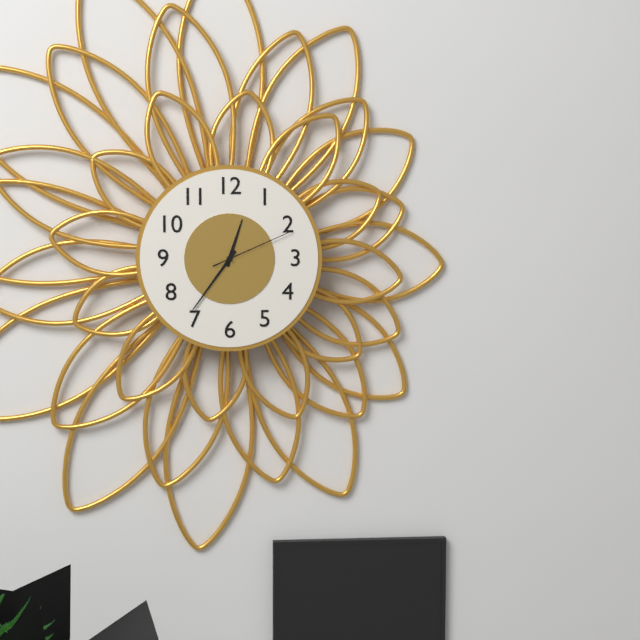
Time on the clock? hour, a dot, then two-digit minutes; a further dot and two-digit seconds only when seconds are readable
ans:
12.36.11
